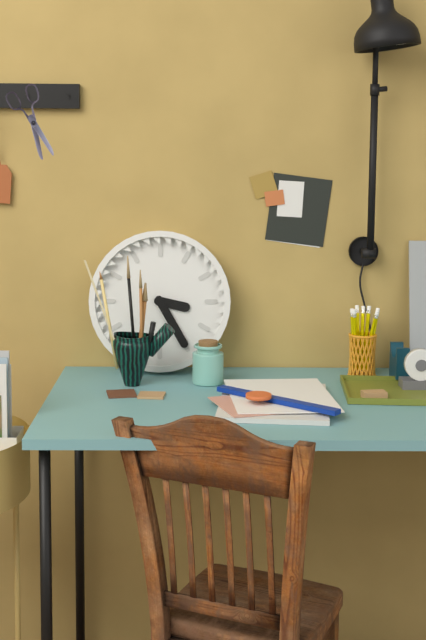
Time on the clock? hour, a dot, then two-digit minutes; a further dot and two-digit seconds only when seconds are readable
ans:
3.25
